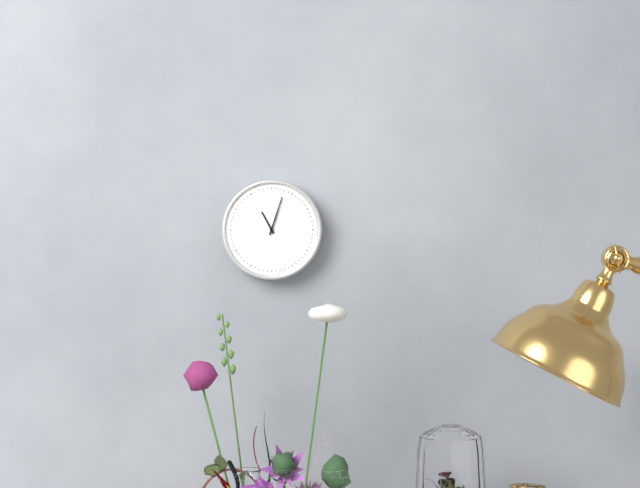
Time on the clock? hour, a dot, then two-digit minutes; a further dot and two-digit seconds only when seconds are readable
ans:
11.03
